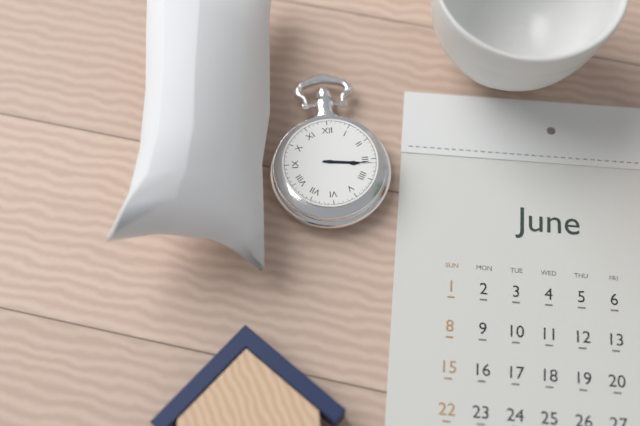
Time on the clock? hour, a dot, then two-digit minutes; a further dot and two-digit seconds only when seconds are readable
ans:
3.16
